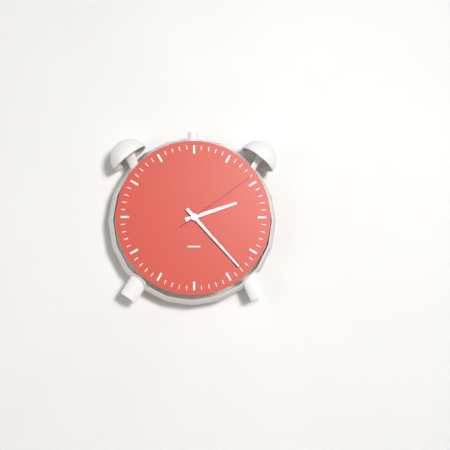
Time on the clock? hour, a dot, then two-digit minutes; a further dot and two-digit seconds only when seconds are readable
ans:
2.23.09
